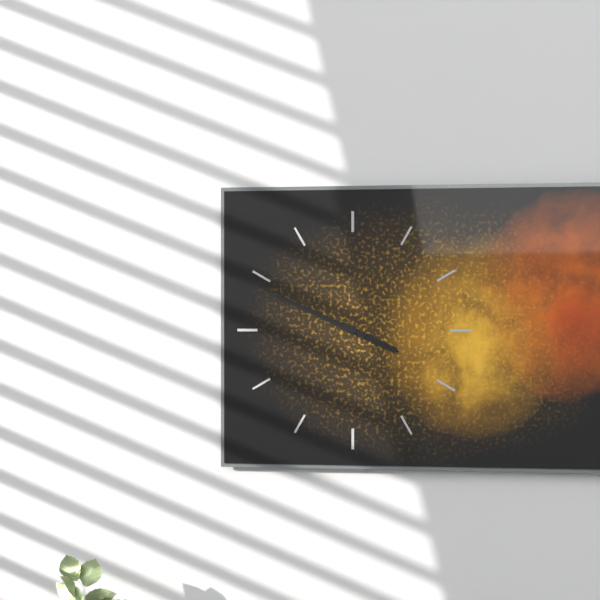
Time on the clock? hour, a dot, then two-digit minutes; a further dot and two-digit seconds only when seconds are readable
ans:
3.49
